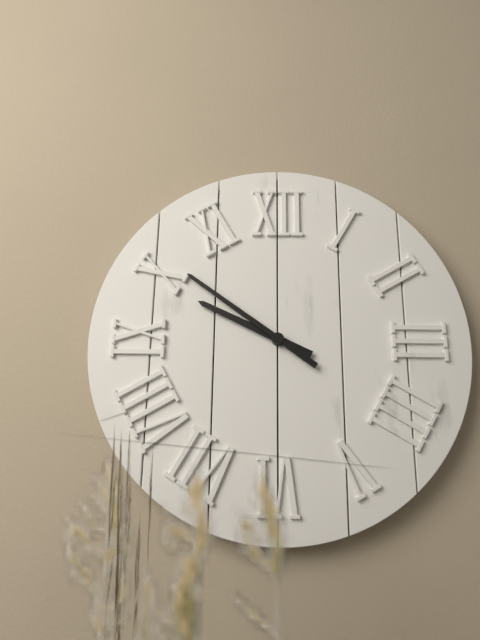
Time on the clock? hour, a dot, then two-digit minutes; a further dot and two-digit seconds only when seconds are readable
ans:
9.51
